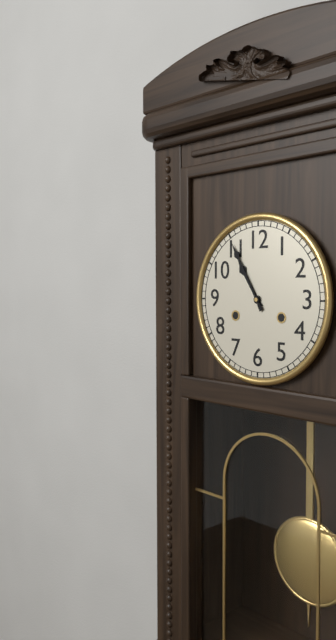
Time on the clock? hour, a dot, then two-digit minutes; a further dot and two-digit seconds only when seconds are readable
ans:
10.55
